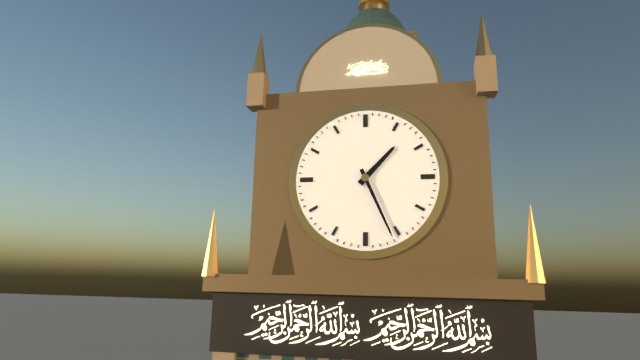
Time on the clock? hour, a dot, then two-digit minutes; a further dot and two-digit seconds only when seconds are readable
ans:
1.26
